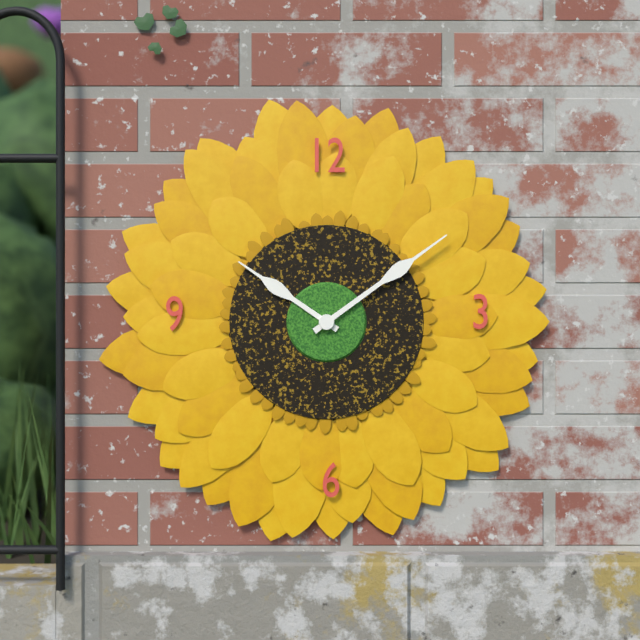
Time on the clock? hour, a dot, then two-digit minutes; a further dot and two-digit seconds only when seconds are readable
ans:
10.09
